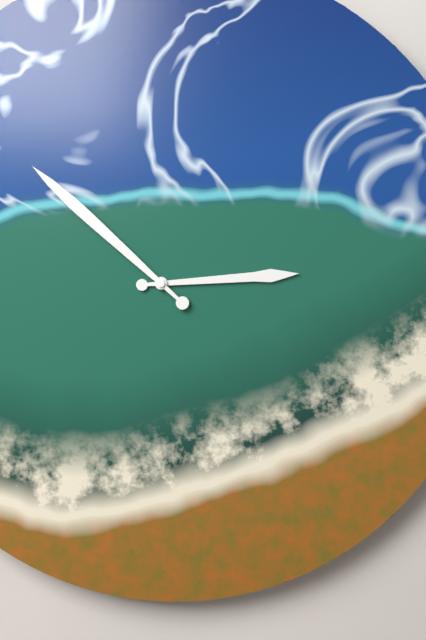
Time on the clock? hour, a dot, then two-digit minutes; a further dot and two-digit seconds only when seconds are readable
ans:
2.52
